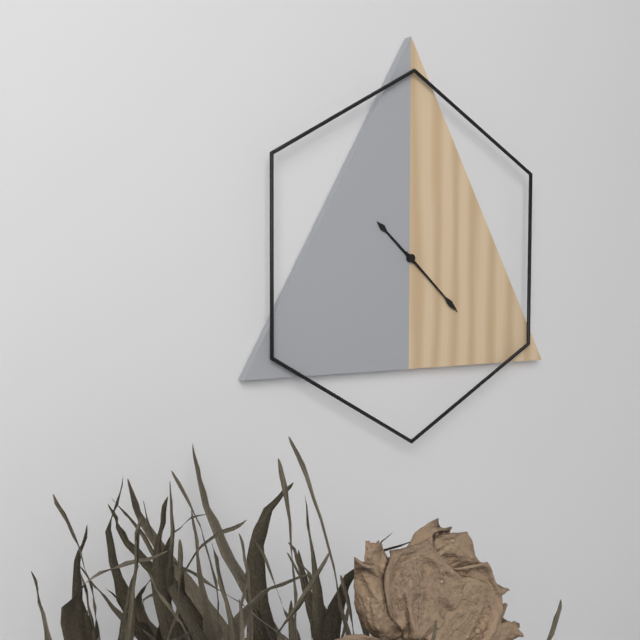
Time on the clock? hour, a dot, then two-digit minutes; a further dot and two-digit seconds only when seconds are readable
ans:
10.22
